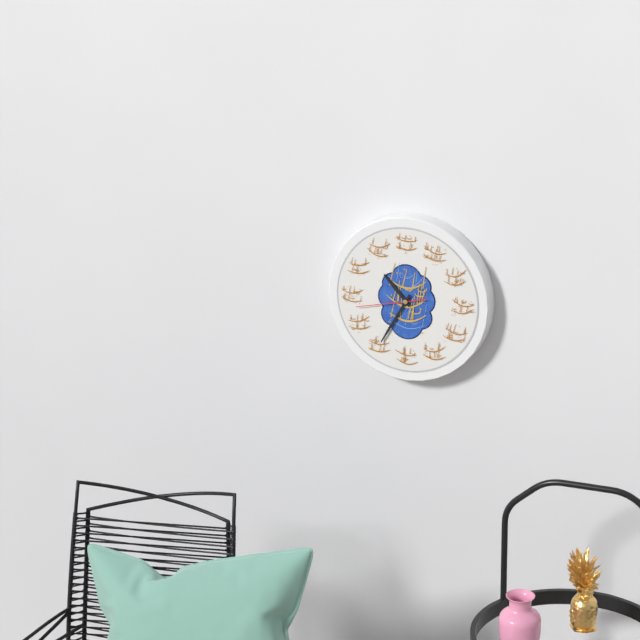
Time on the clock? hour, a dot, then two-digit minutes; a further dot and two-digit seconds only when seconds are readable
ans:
10.35.43
